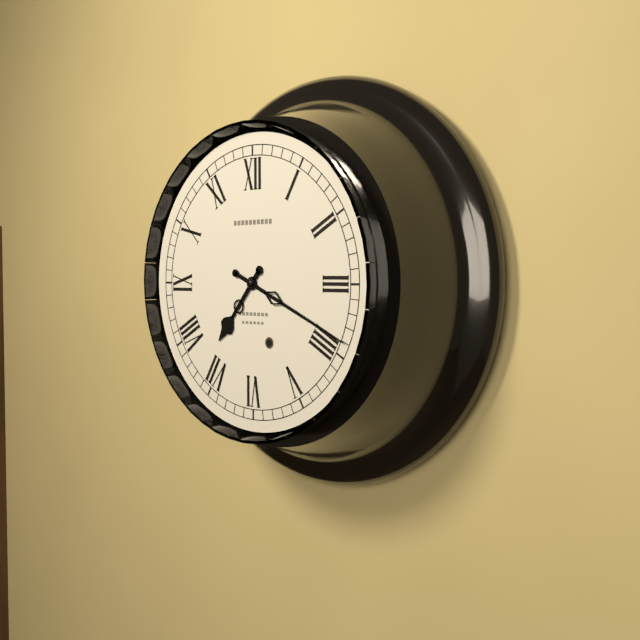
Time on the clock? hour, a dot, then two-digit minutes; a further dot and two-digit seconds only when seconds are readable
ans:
7.19
